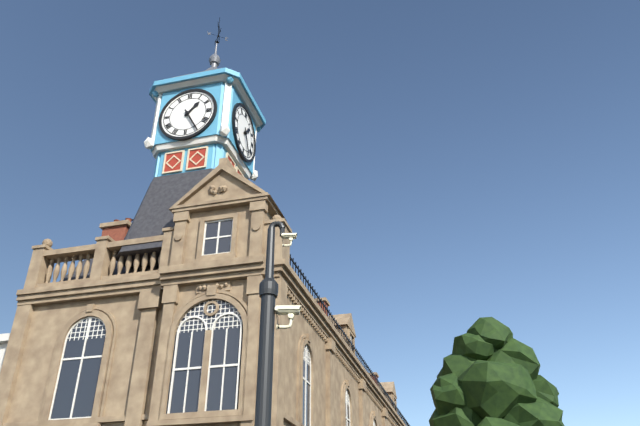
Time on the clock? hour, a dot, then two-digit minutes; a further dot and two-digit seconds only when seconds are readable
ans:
1.25
